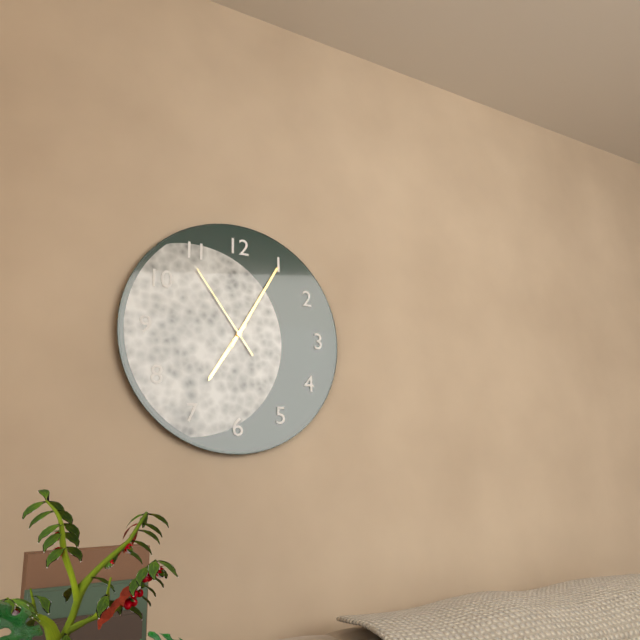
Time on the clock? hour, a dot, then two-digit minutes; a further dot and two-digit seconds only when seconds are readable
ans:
7.05.54
